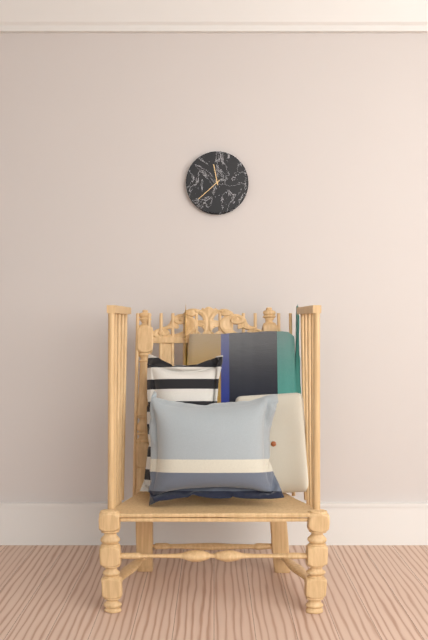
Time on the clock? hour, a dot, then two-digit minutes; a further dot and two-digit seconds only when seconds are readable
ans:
11.38
